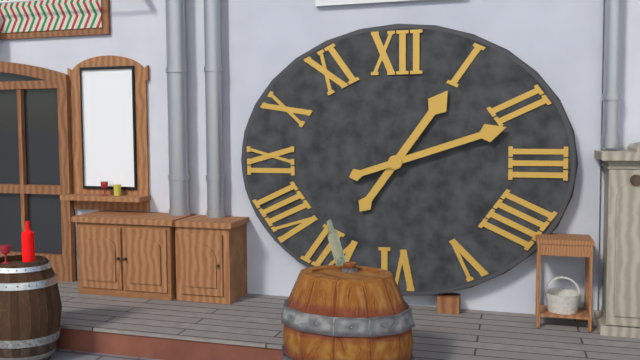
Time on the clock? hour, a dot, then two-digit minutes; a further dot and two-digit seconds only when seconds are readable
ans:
1.12
